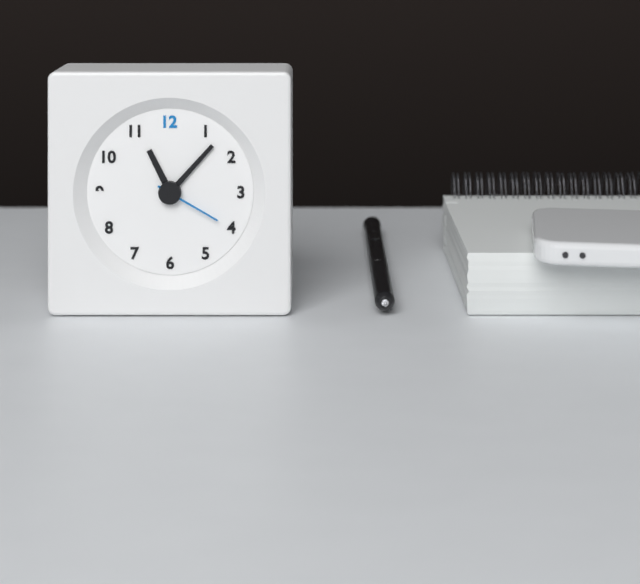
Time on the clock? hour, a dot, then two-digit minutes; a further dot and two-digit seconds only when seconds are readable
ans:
11.07.20
